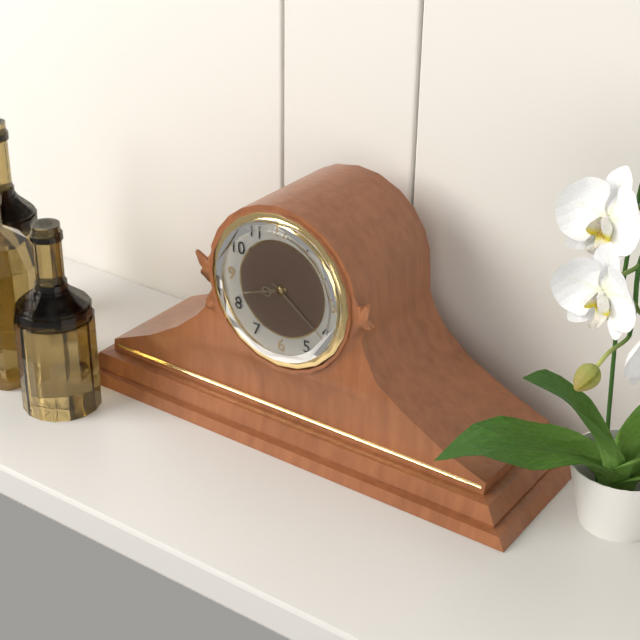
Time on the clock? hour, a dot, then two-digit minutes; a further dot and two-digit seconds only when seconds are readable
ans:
8.21
